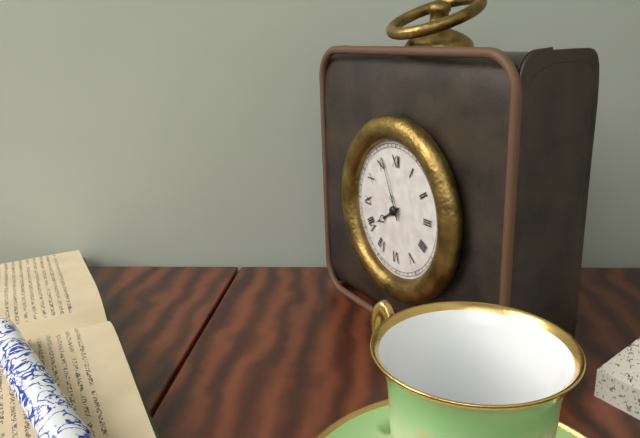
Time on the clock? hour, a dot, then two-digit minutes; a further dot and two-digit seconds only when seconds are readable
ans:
7.56
